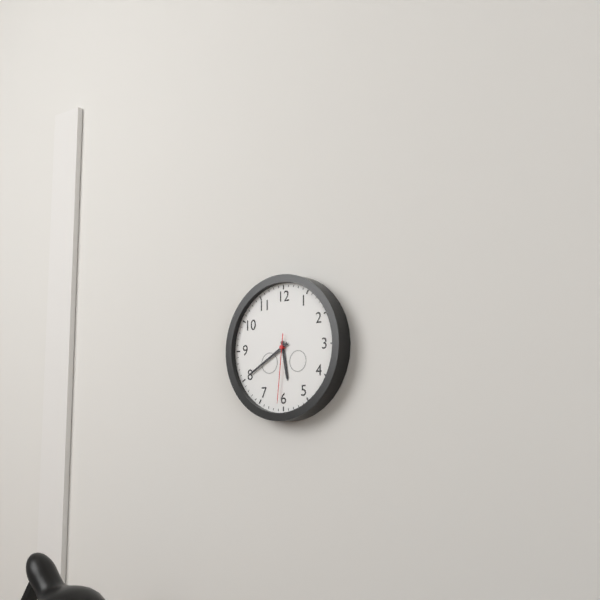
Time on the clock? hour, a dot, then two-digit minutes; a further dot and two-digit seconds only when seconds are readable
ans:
5.40.31
